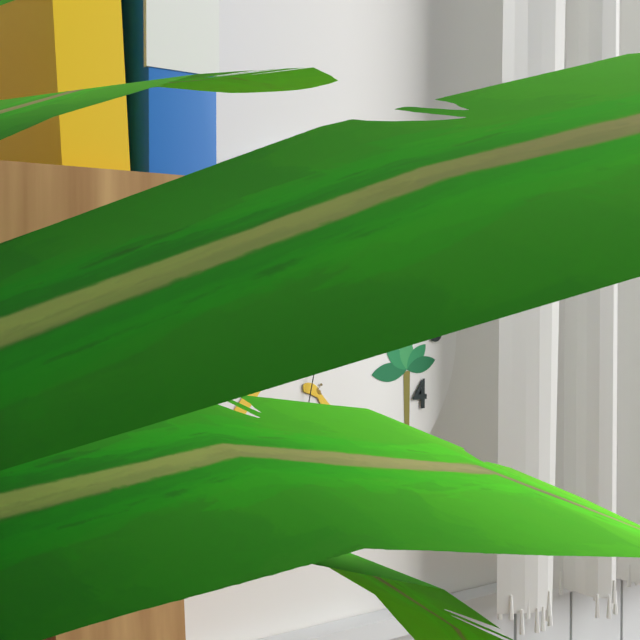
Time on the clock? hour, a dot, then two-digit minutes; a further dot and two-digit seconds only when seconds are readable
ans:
8.02.32
